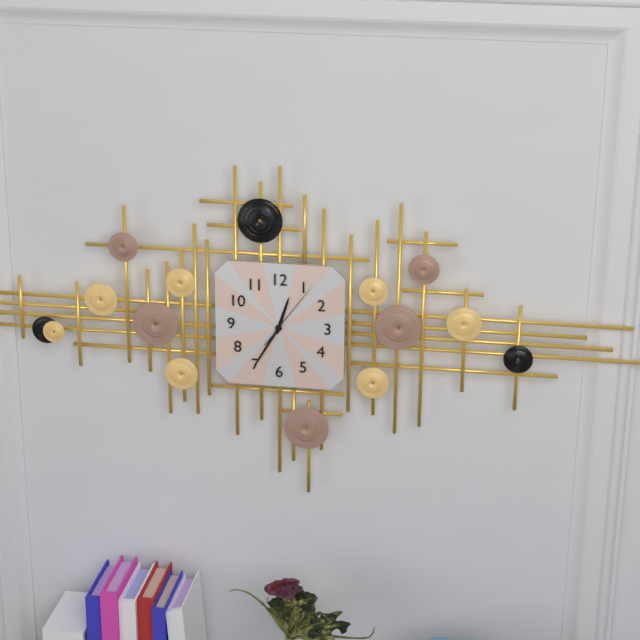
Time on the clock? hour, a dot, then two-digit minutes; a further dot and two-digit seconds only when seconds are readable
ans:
12.35.06
